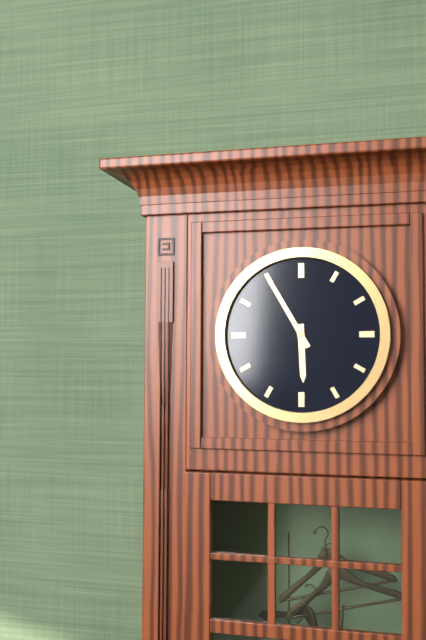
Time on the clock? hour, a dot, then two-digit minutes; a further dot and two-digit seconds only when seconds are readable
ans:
5.55
